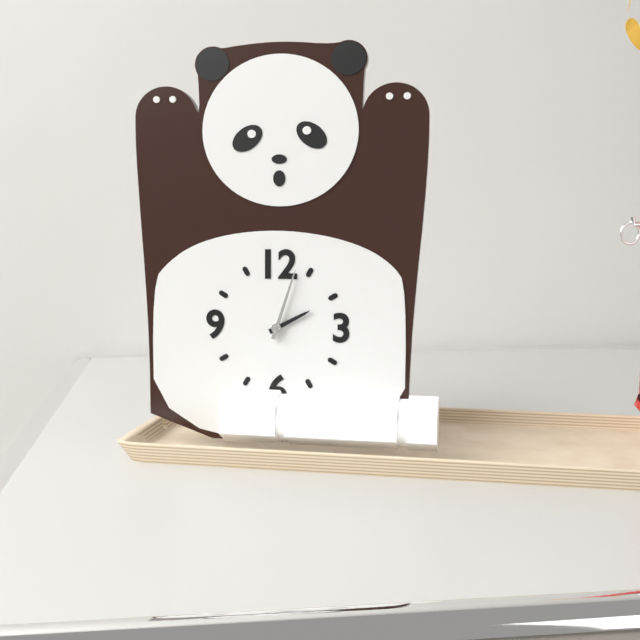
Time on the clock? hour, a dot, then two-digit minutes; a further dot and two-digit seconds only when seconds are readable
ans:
2.03
